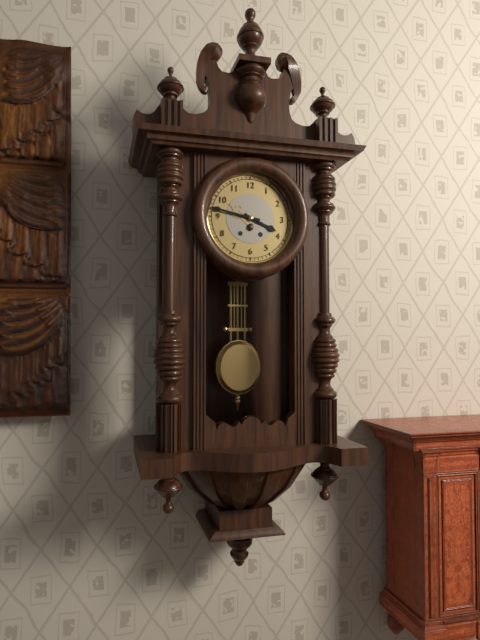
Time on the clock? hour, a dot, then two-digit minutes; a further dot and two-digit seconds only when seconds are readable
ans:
3.47
